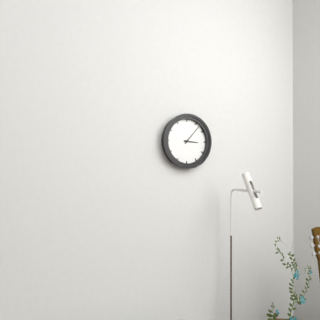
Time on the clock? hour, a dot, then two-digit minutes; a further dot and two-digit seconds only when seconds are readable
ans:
3.07
